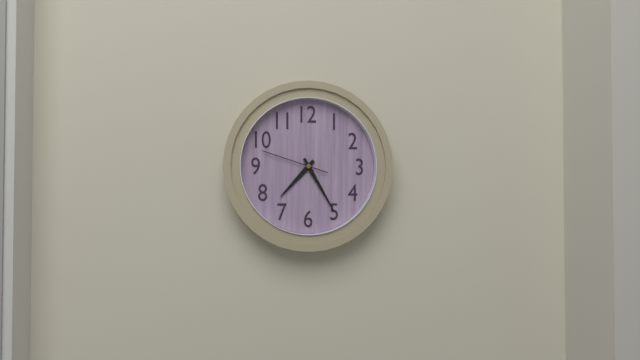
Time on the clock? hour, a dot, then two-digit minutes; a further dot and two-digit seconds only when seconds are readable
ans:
7.25.48
